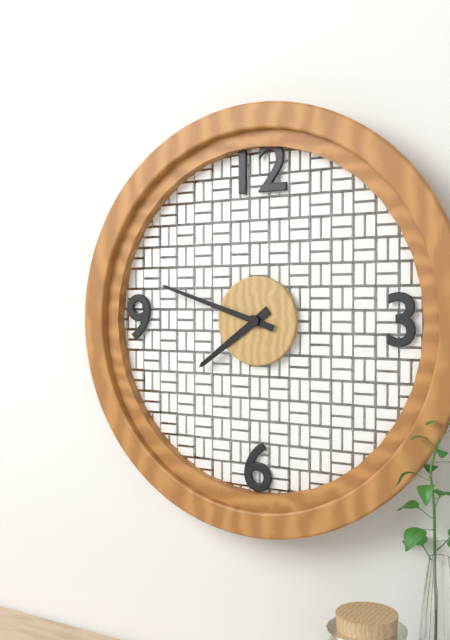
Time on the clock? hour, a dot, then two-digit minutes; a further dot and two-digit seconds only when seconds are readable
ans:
7.48
